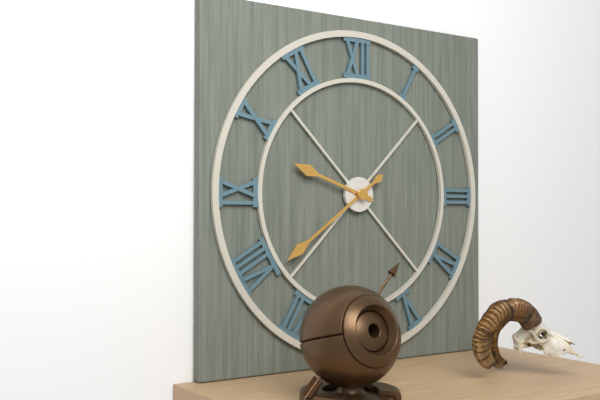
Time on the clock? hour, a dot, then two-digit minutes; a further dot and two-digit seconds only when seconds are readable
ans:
9.39
